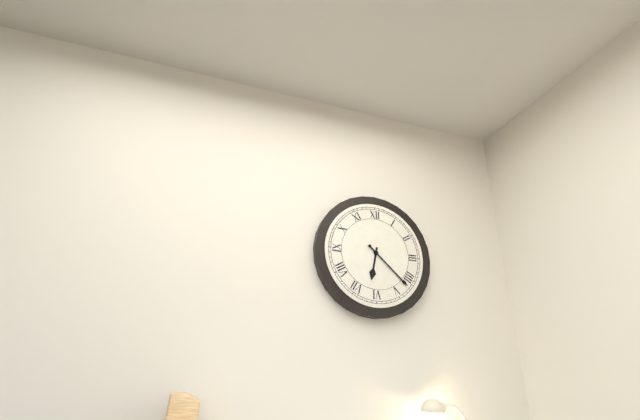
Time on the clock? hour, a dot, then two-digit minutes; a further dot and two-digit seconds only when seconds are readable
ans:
6.22
